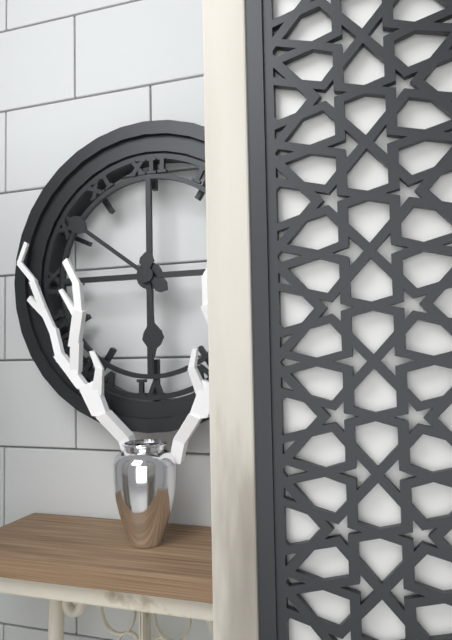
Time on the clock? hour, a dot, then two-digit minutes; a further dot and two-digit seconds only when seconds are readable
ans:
5.51
